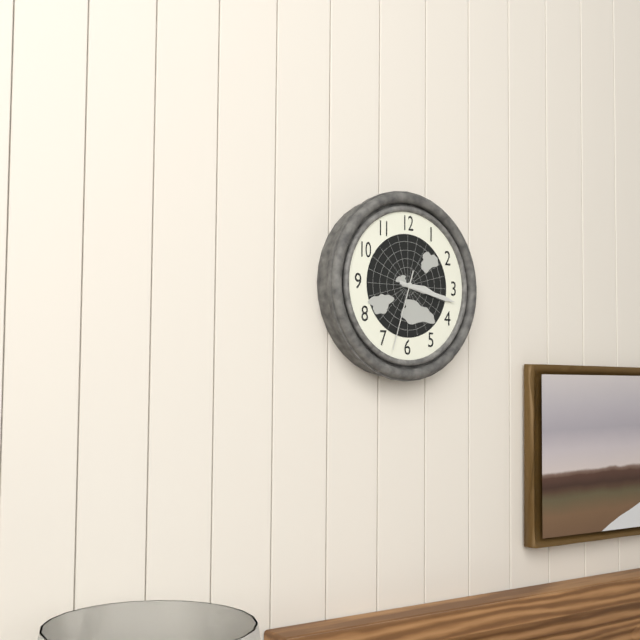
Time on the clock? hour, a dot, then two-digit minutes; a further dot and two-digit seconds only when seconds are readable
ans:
3.17.33
